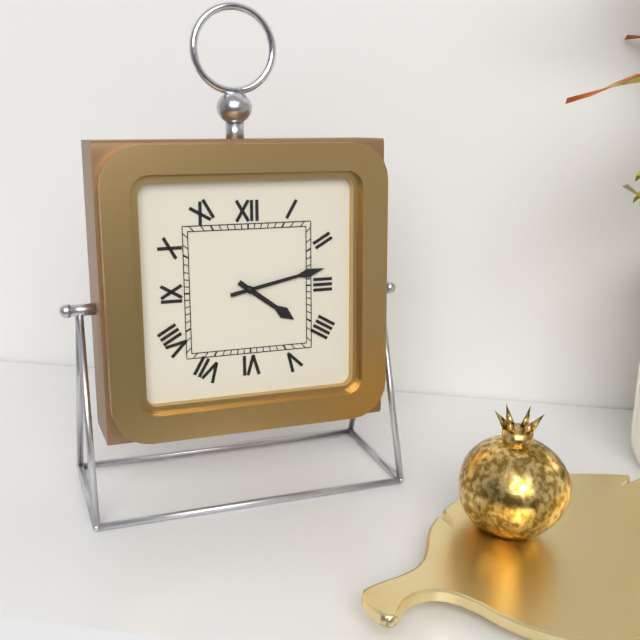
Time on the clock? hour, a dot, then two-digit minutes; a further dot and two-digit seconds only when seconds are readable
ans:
4.13
